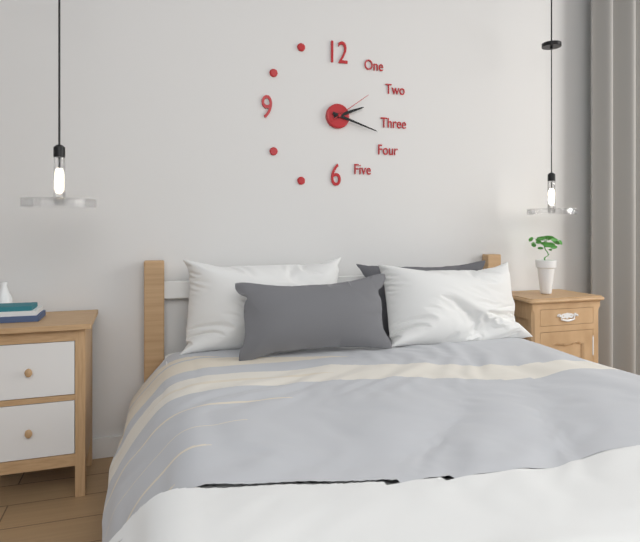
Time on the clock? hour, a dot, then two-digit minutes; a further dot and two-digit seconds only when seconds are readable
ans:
2.18
